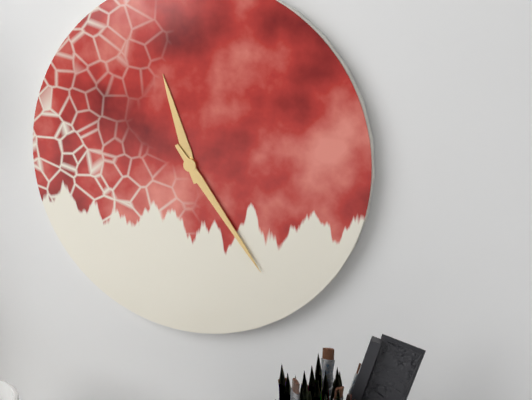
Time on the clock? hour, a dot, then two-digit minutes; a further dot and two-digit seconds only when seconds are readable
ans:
11.24
